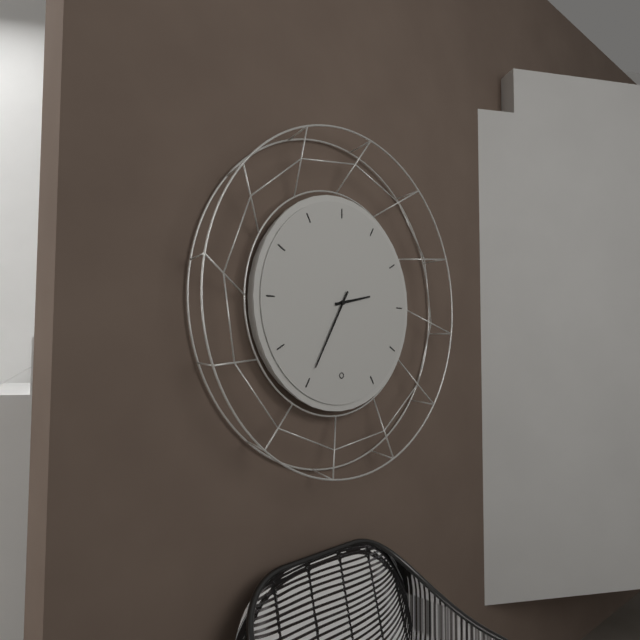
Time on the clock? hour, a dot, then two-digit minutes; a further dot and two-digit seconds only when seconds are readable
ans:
2.35
